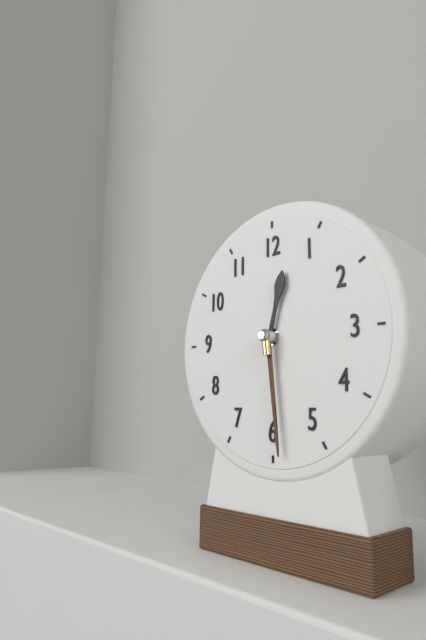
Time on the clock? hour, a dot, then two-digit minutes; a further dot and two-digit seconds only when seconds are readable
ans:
12.29
